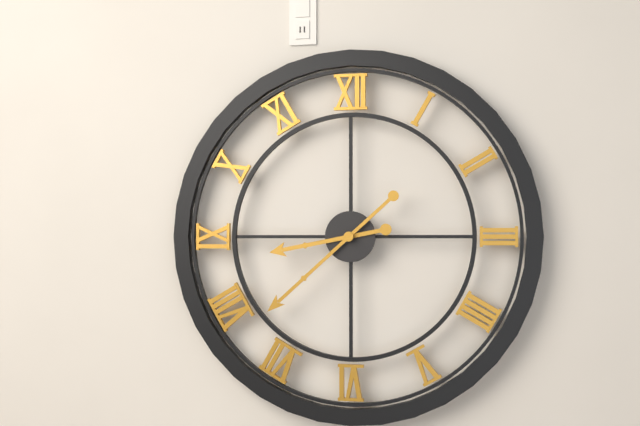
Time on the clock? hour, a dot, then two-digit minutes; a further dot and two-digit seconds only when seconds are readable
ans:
8.38
